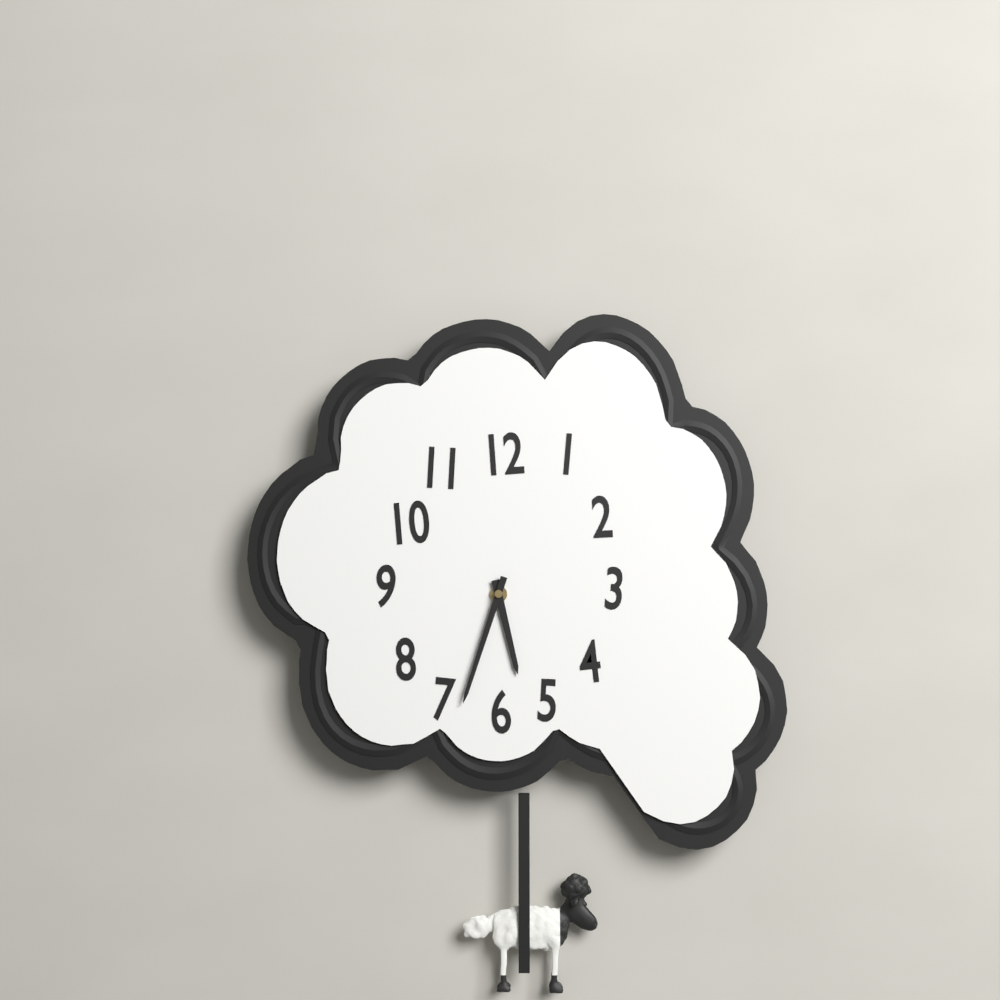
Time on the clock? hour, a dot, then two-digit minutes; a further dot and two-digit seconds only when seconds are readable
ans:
5.33
